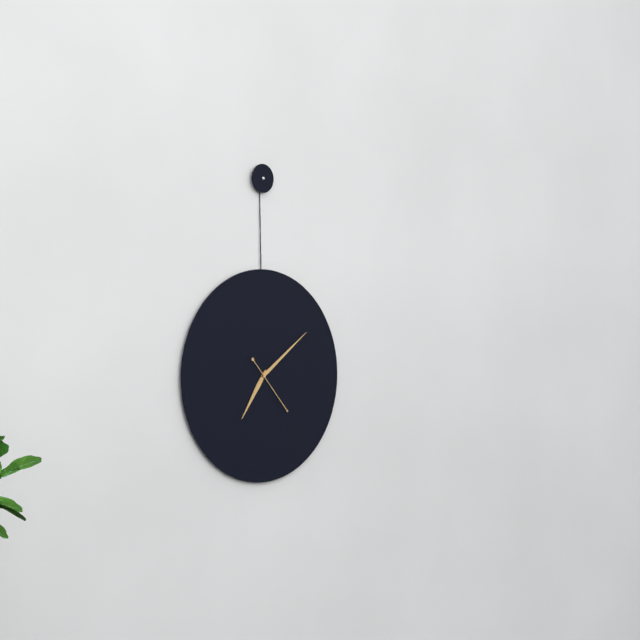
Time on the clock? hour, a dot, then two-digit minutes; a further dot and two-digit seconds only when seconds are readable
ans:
7.09.23
